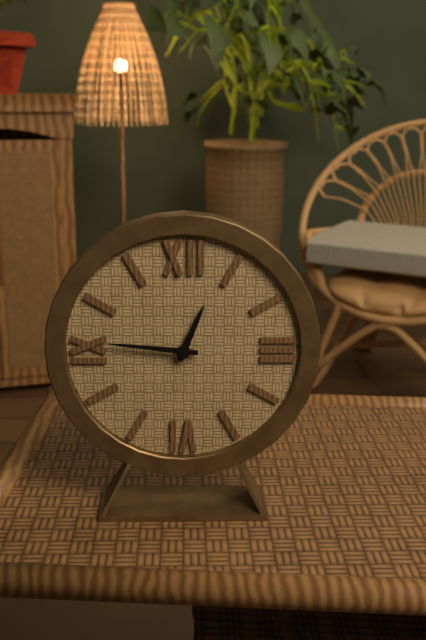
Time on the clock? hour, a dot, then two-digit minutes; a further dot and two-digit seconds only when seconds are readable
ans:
12.46
